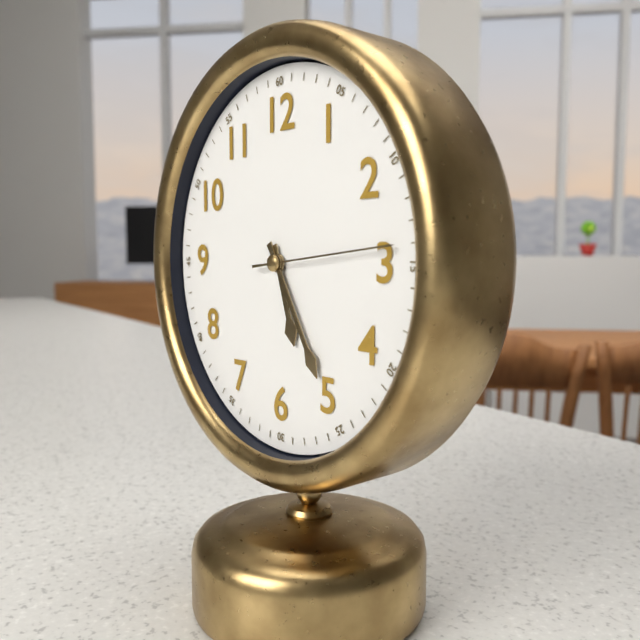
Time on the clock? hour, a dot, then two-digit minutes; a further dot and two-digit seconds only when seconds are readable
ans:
5.25.14
